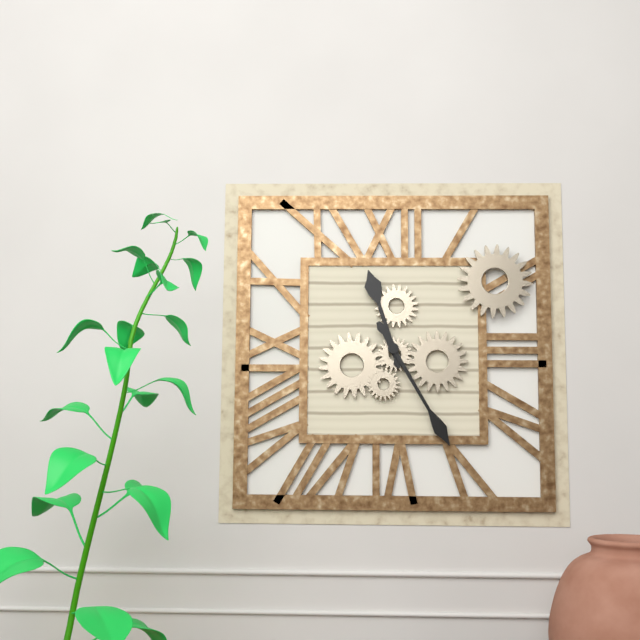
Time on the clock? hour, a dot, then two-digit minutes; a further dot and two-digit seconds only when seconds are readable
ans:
11.25
